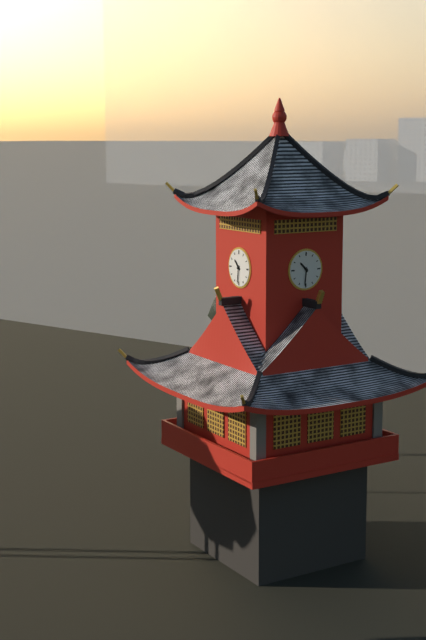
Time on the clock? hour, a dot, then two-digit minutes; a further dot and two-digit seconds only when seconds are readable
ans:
10.31
